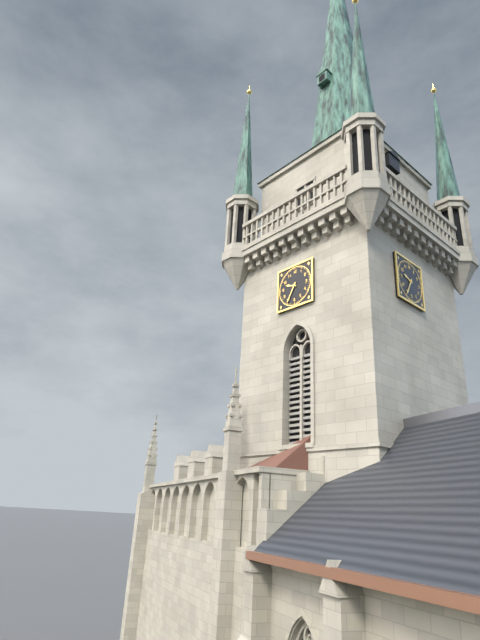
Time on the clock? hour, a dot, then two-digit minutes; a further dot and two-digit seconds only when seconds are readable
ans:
9.35
